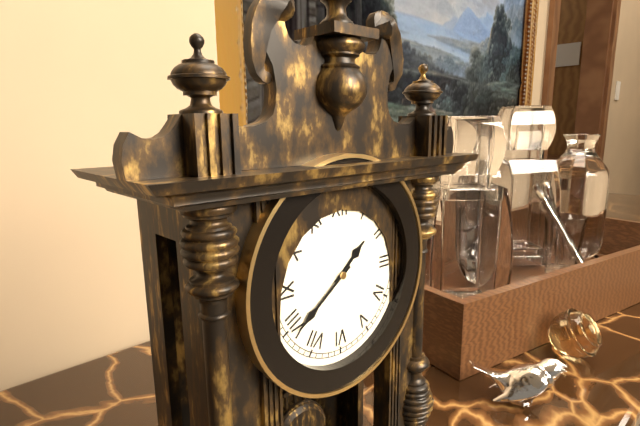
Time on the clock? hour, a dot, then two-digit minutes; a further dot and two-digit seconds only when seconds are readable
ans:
1.39
